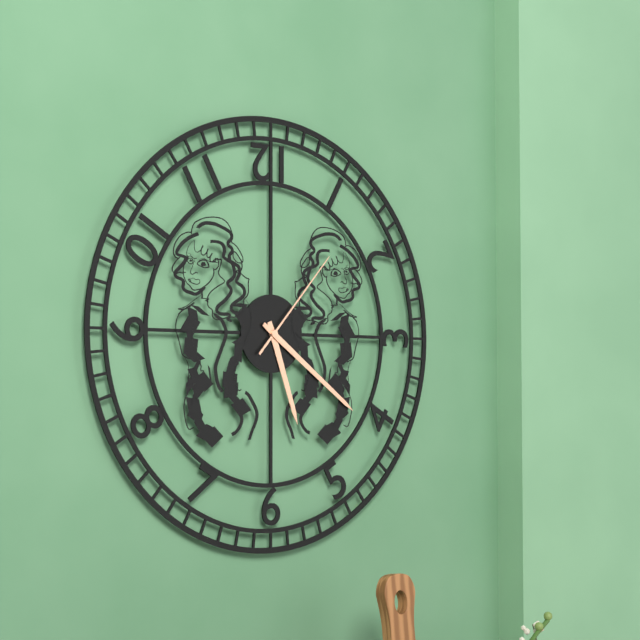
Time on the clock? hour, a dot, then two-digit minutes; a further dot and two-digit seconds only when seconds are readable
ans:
5.21.07
